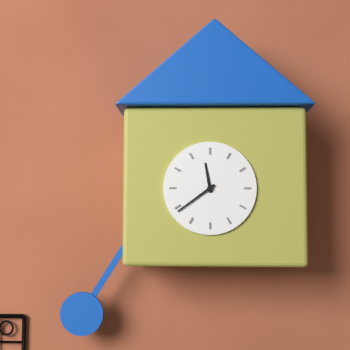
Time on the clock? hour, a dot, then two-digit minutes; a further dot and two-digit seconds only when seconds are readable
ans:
11.39
